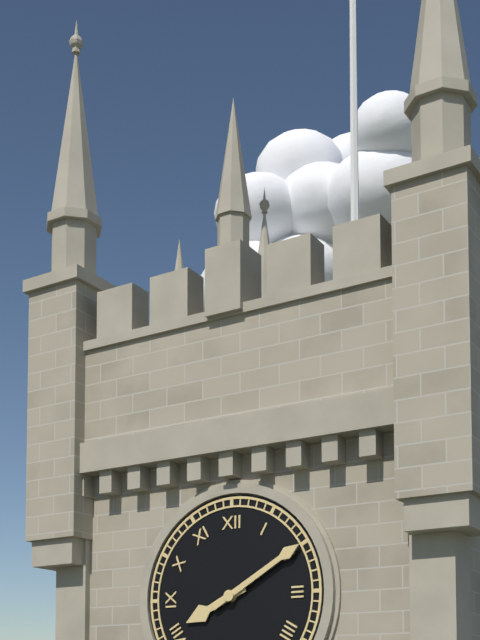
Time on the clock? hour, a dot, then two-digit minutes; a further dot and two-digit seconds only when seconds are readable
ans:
8.10
